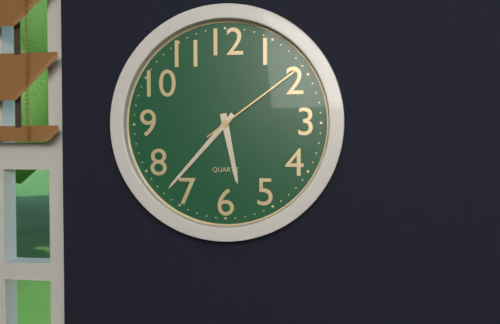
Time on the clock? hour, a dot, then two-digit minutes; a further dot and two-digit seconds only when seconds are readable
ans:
5.37.09
